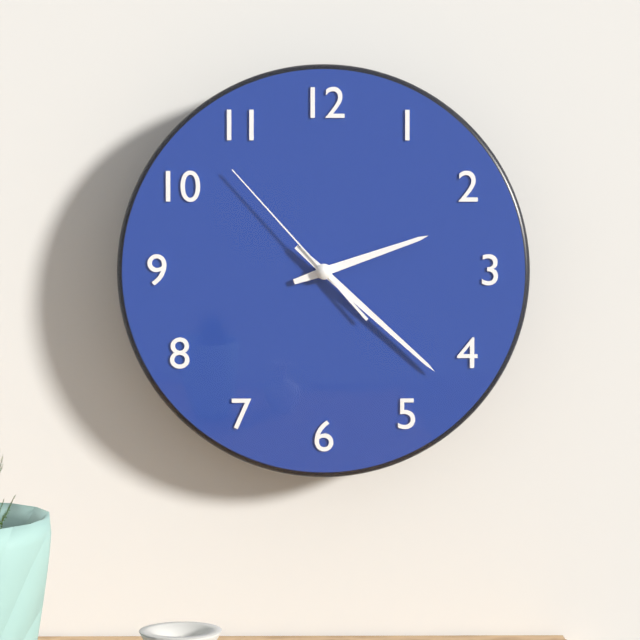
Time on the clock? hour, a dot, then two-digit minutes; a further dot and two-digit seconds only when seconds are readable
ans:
2.22.53
